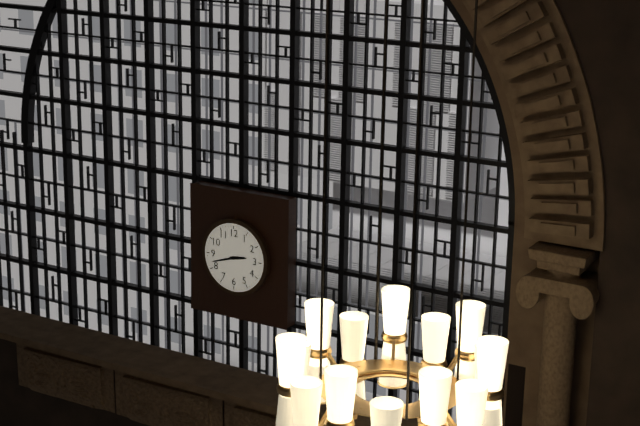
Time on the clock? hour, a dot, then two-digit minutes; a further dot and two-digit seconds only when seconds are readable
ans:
2.42
